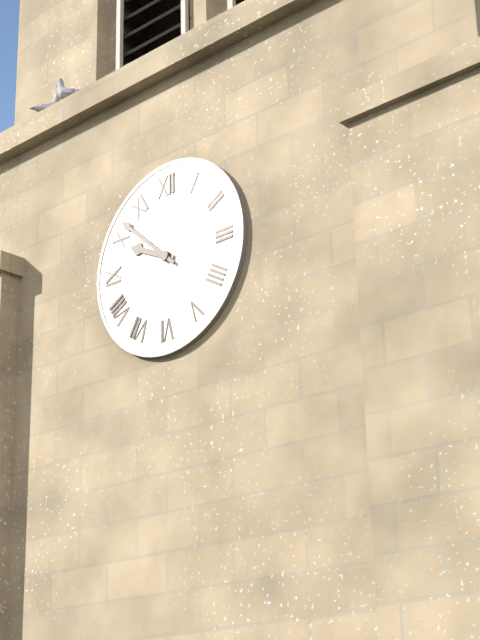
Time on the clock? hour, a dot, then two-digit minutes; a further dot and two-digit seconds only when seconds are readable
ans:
9.52
